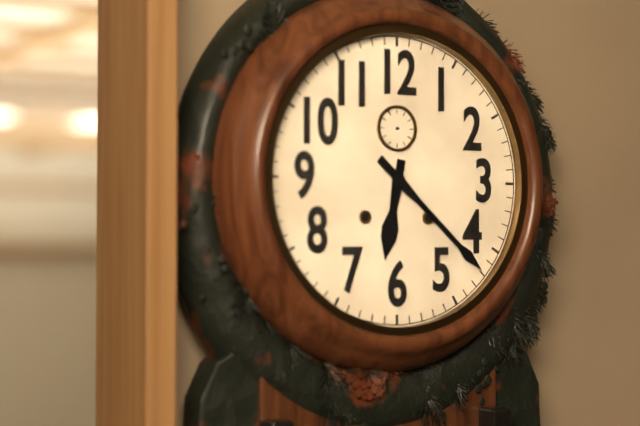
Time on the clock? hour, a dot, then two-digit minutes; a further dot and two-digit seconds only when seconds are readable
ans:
6.22
